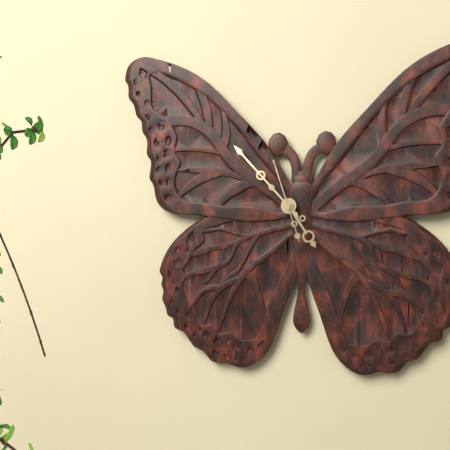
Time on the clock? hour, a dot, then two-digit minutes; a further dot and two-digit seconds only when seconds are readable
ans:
4.53.57
